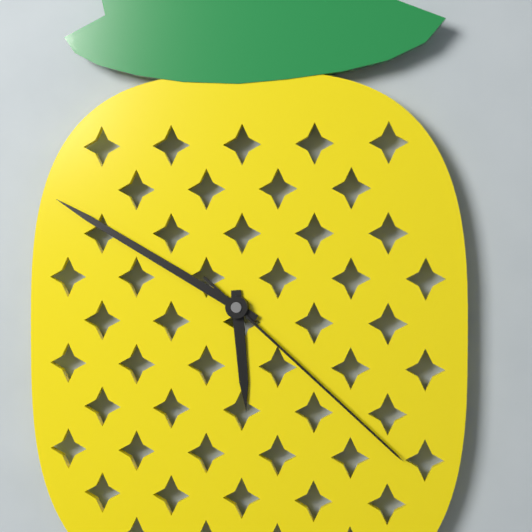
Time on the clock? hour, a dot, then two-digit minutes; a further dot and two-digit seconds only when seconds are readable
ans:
5.50.22
